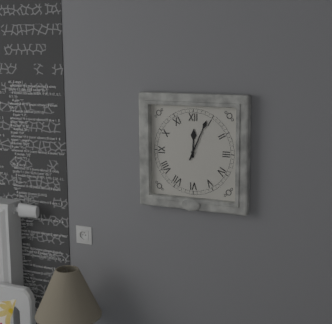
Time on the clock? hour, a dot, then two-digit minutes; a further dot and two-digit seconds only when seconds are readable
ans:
12.04
